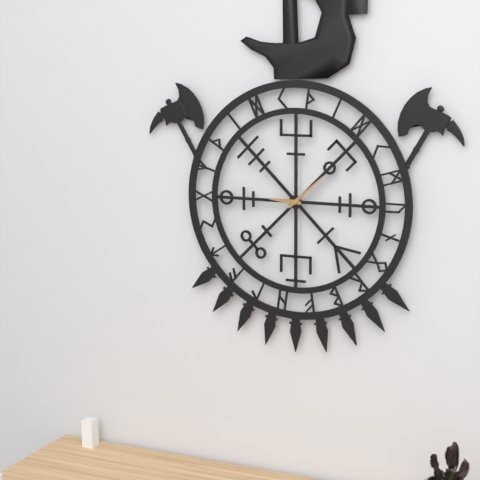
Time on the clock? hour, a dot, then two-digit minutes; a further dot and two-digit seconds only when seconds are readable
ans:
9.08
